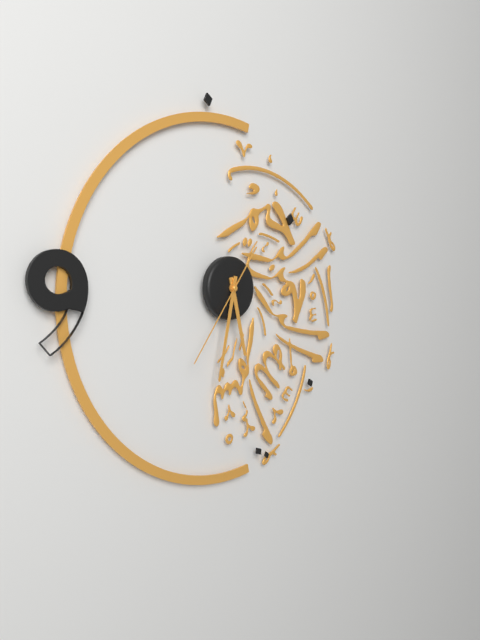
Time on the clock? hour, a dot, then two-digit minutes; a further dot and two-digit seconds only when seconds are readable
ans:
5.32.36
